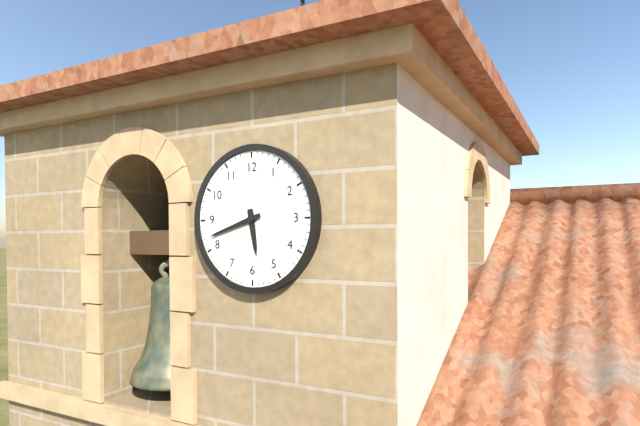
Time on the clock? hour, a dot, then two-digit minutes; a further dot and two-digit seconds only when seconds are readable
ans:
5.42
